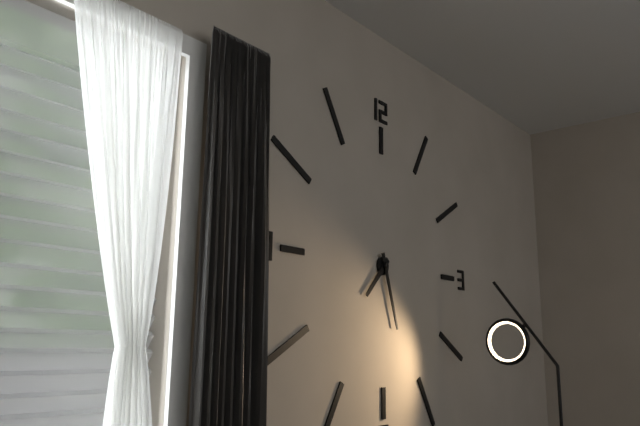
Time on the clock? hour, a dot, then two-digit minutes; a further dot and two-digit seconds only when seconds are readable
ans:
7.27
